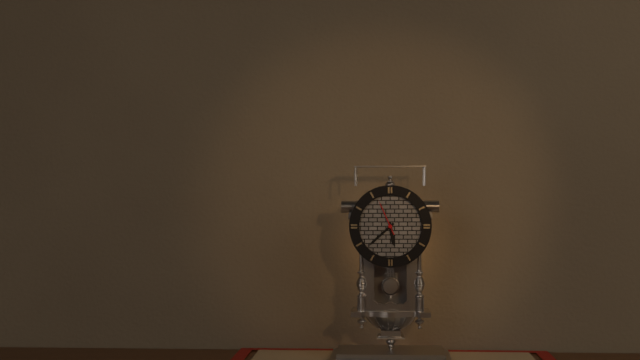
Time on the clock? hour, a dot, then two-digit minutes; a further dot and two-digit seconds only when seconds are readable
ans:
5.38
